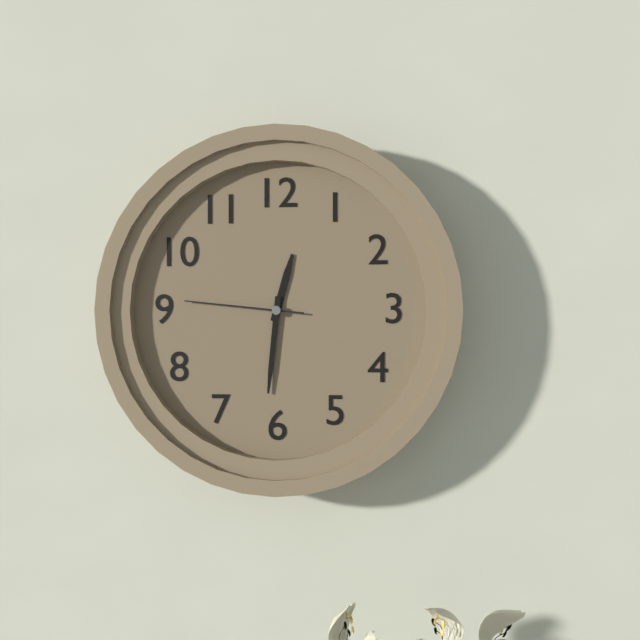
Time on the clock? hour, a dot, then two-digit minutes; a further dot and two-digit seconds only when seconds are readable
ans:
12.31.46
